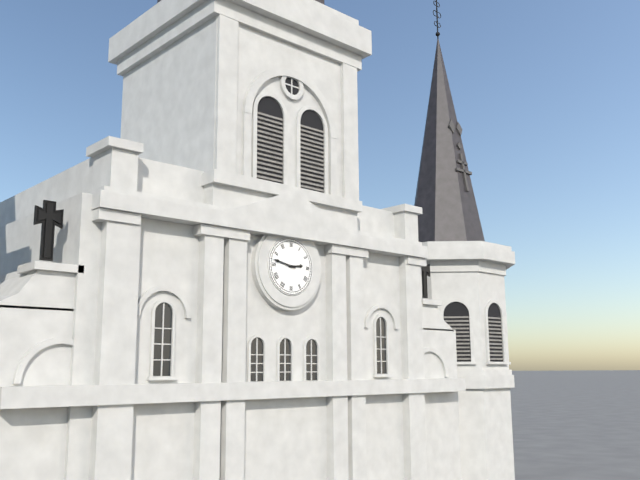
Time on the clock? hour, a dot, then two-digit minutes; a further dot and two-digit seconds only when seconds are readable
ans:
2.47
